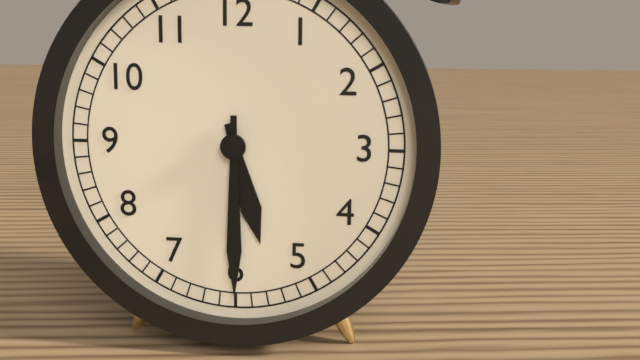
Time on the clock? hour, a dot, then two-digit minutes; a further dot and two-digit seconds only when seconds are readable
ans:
5.30
